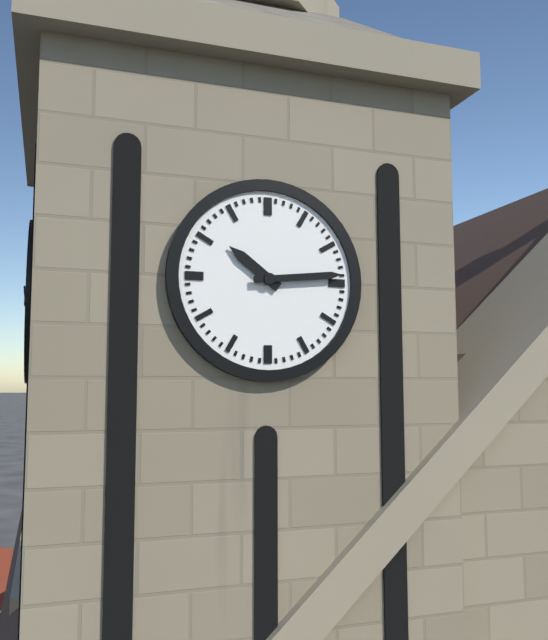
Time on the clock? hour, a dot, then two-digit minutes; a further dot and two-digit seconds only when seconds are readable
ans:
10.14
